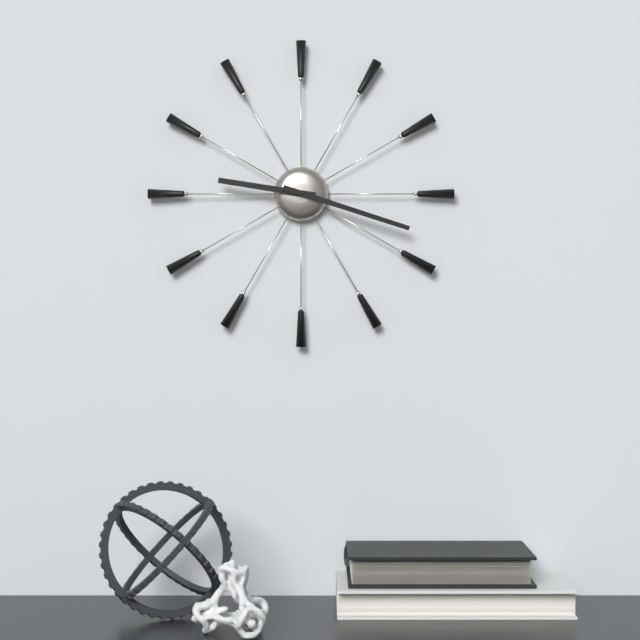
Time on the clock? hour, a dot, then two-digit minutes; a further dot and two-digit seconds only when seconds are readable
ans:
9.18
